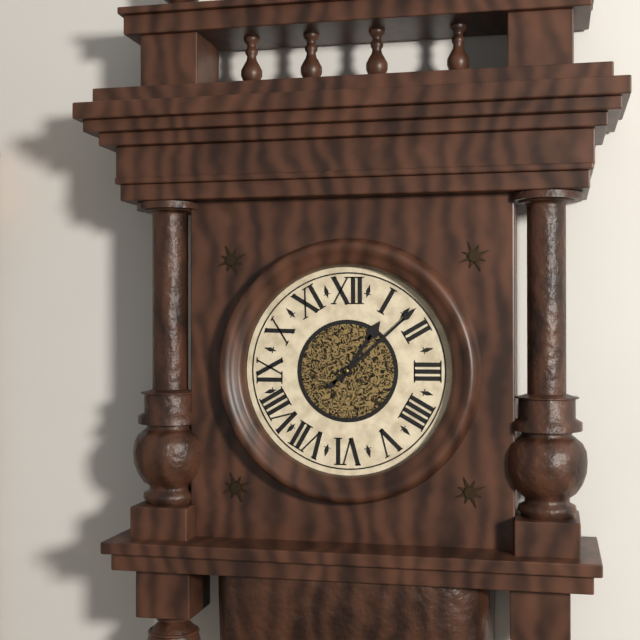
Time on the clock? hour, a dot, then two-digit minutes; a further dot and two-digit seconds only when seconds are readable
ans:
1.08
